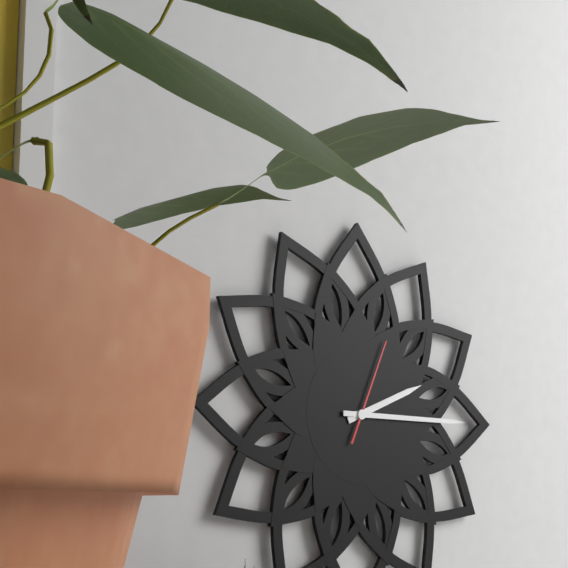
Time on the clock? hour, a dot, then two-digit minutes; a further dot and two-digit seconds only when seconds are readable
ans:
2.15.04
